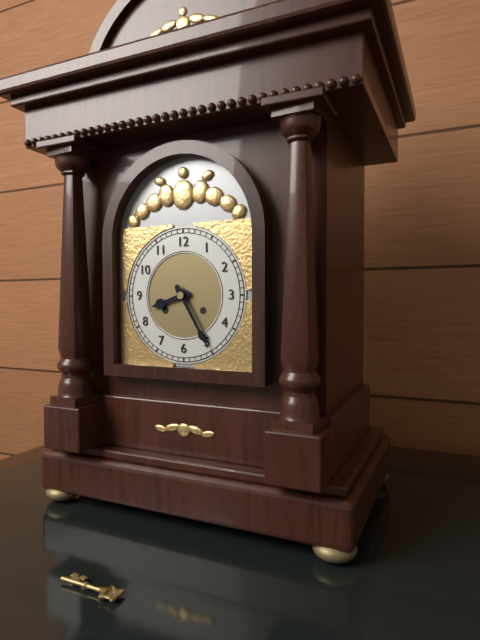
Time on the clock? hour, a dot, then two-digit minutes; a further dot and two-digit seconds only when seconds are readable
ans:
8.25
